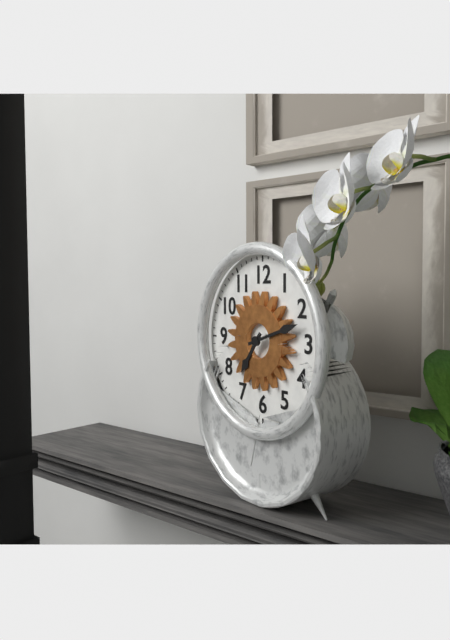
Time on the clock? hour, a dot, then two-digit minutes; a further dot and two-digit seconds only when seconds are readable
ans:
7.12
